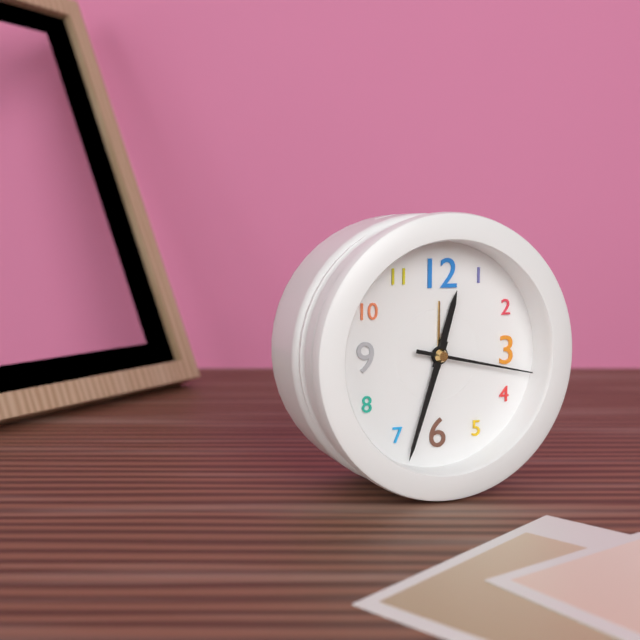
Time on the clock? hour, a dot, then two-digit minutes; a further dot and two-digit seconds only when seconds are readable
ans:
12.33.17
